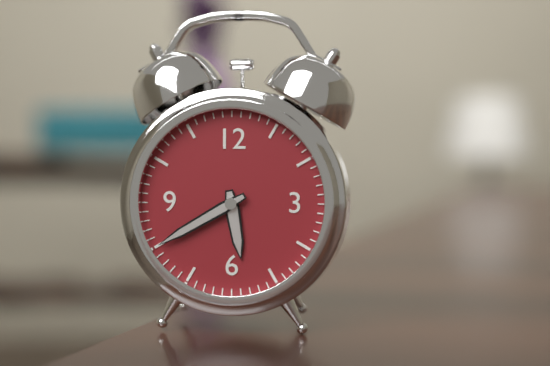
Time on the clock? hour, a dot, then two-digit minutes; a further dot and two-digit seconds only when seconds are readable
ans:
5.40
